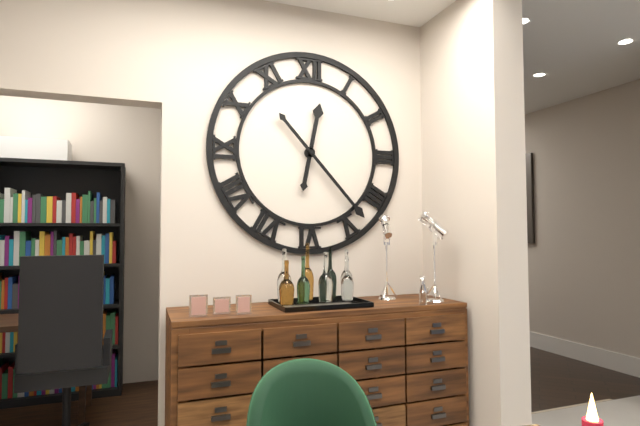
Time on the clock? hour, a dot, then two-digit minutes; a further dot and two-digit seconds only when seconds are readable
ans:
12.23
